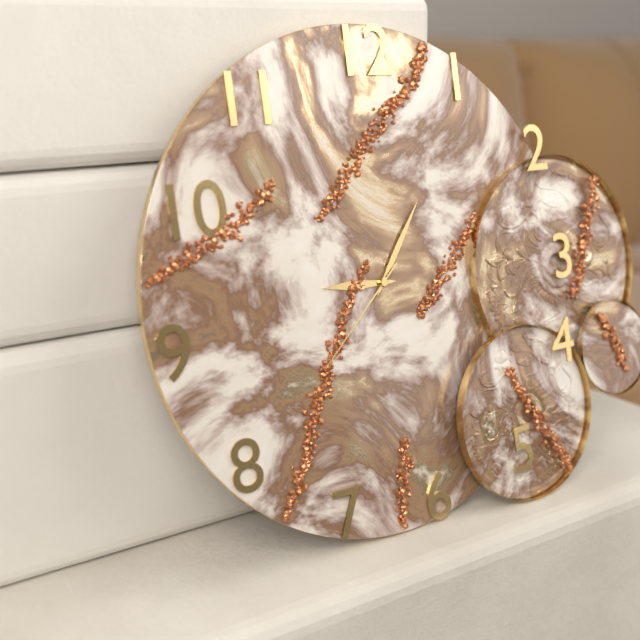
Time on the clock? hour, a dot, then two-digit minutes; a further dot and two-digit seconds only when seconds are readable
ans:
9.06.38
